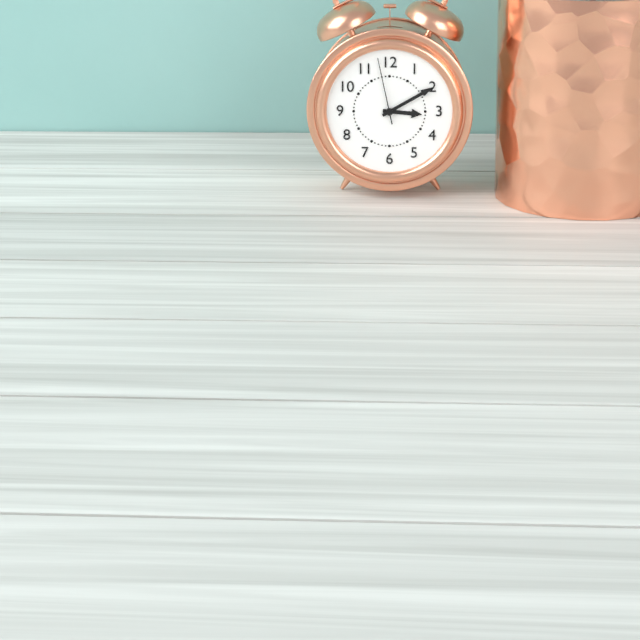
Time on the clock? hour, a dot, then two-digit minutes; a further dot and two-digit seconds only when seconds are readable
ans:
3.10.58
